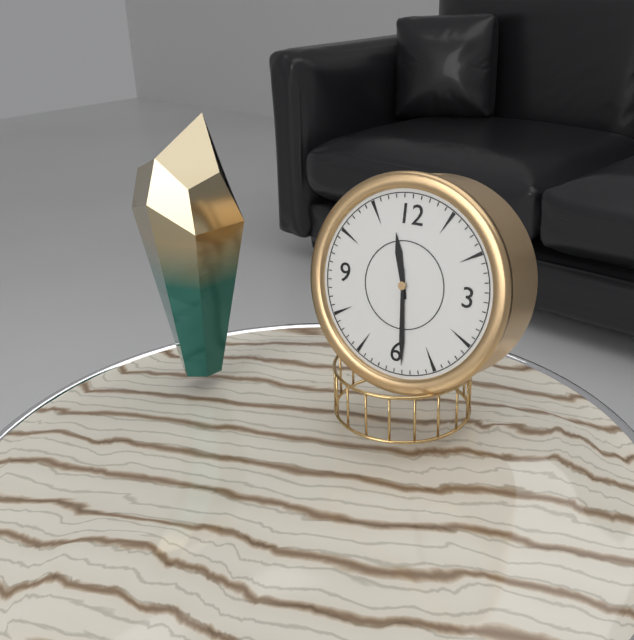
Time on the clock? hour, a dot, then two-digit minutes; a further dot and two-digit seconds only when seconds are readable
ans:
11.29
